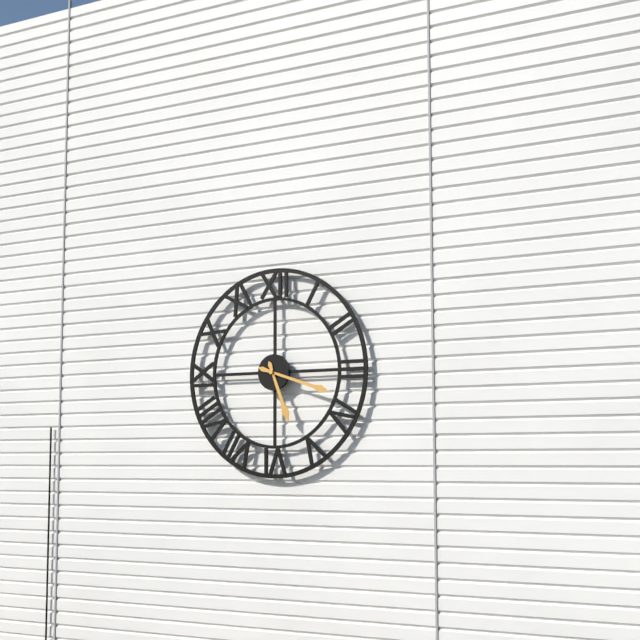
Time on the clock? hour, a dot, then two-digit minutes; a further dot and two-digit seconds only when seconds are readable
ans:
5.18
